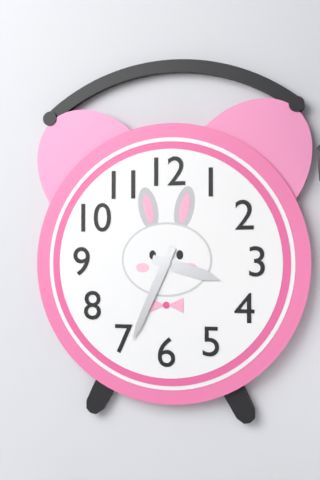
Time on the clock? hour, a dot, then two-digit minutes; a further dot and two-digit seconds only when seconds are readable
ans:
3.34
